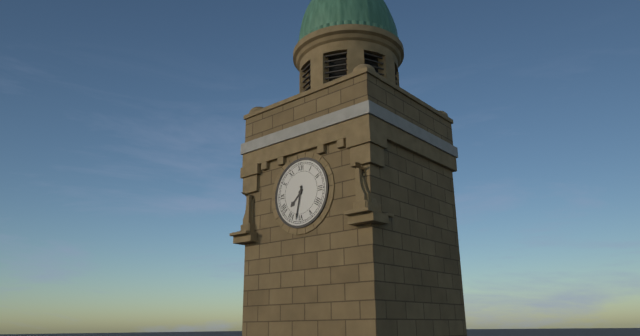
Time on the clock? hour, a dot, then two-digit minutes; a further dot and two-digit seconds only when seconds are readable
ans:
7.32
